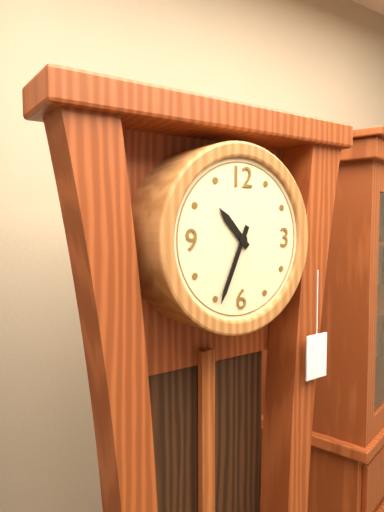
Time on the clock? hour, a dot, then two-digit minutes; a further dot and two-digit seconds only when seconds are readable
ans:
10.34
